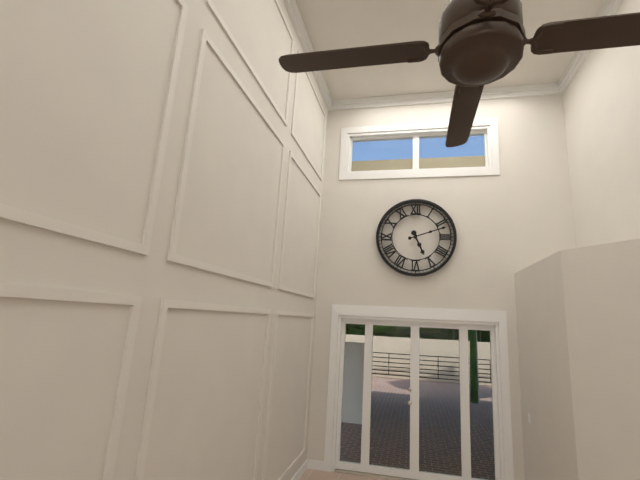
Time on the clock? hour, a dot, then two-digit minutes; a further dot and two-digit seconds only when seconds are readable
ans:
5.12
